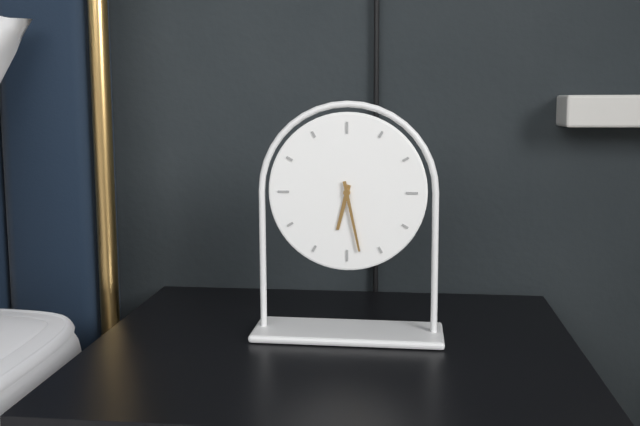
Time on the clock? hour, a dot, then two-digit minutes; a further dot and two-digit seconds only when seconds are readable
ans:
6.28
